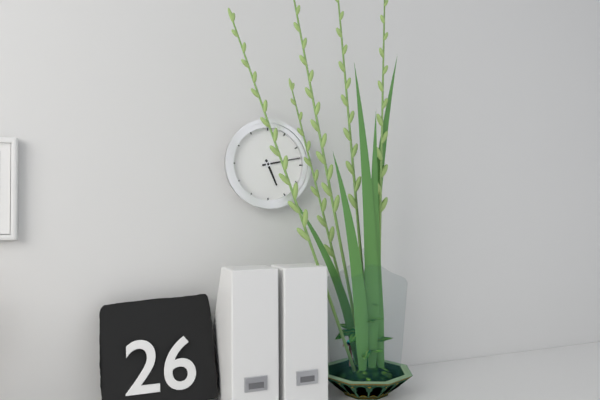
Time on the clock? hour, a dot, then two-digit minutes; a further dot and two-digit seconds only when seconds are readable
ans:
5.13
